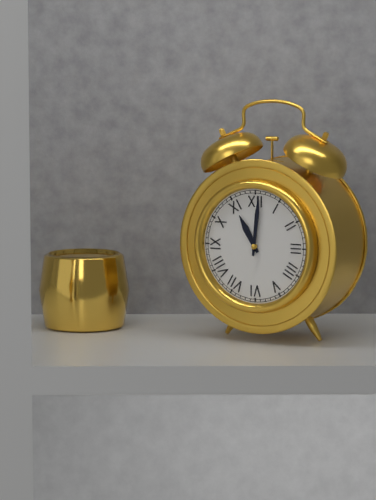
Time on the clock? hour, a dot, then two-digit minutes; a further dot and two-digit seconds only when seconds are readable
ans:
11.01
